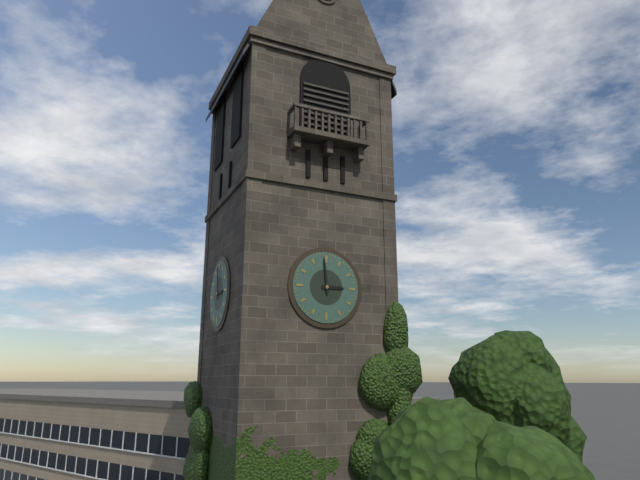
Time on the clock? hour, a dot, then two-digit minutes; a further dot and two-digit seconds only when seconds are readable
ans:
2.59
